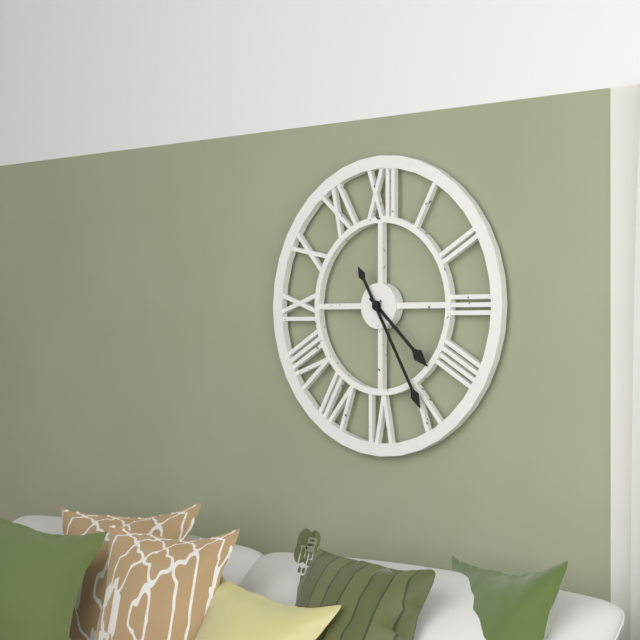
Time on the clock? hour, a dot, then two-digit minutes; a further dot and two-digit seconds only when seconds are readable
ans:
4.25
